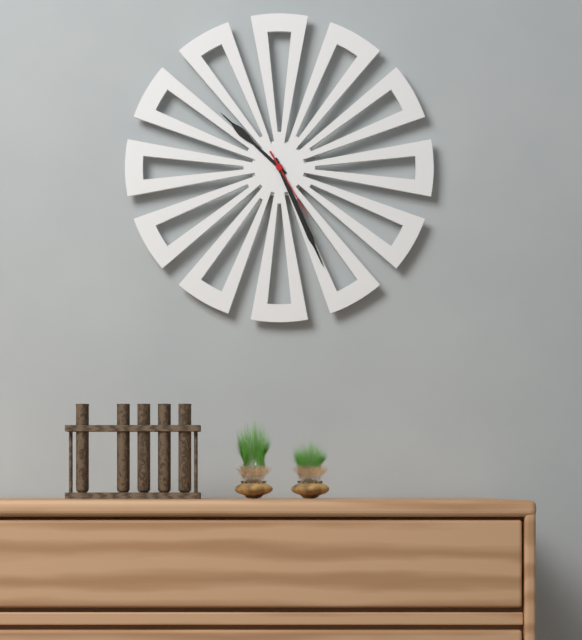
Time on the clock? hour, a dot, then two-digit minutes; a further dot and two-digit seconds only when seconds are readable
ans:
10.26.25
